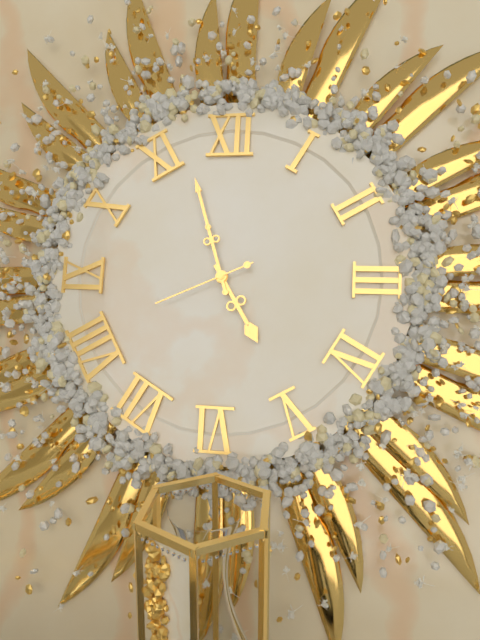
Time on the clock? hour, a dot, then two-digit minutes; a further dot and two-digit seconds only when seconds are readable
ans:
4.57.41
